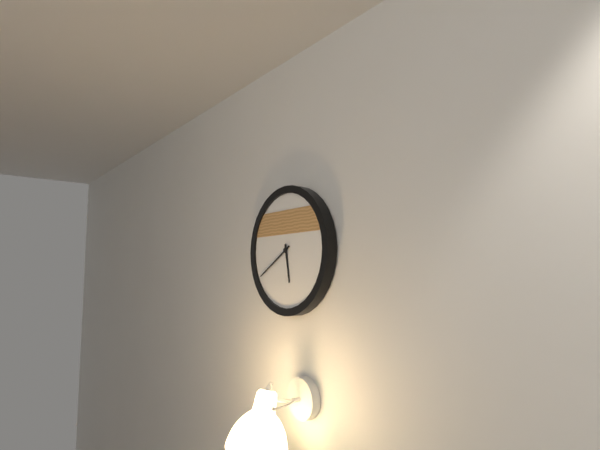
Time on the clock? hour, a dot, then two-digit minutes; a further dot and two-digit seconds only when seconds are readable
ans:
5.40
